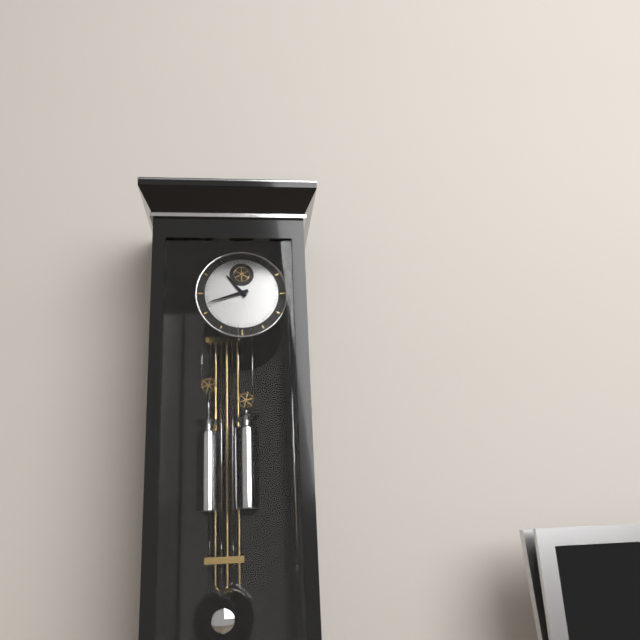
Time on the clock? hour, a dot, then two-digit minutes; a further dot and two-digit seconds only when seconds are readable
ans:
10.42
